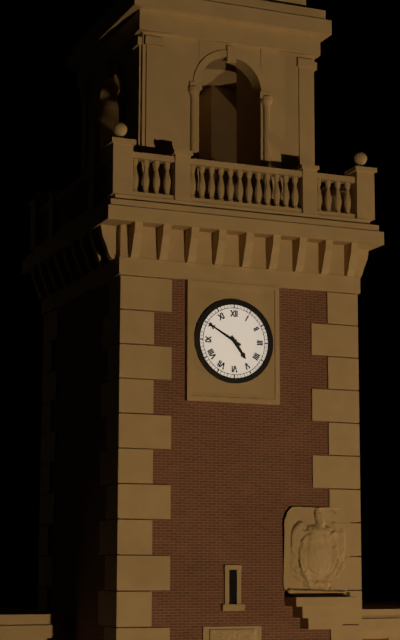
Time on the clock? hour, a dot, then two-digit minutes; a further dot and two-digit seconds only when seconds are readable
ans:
4.50
